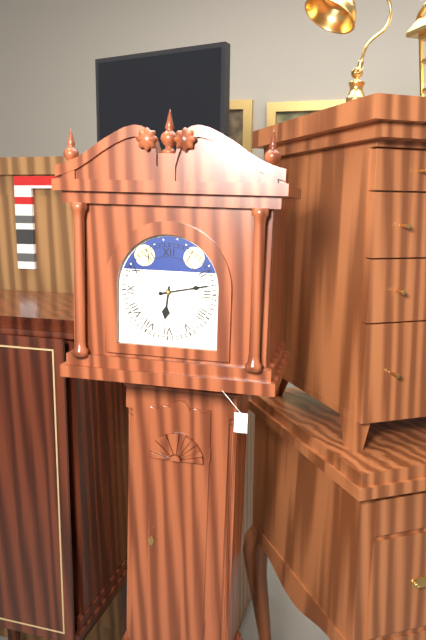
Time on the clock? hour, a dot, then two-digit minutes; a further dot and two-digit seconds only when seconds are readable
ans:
6.13
